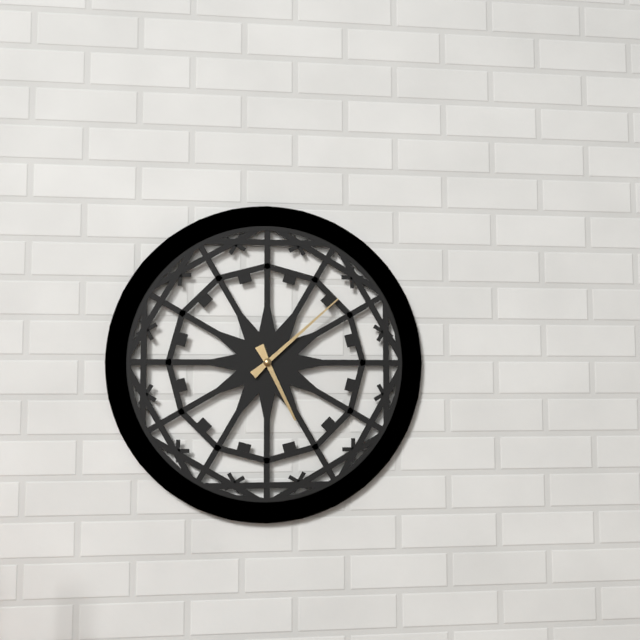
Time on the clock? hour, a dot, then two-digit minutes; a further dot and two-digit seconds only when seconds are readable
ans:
5.08
